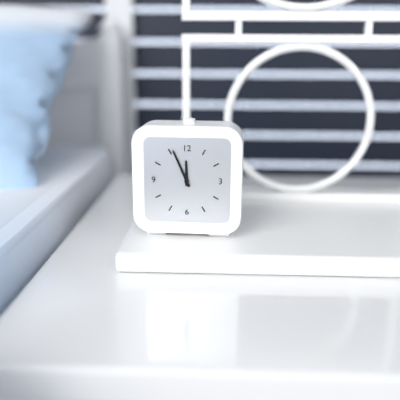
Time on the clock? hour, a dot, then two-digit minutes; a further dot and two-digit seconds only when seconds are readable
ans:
11.56
